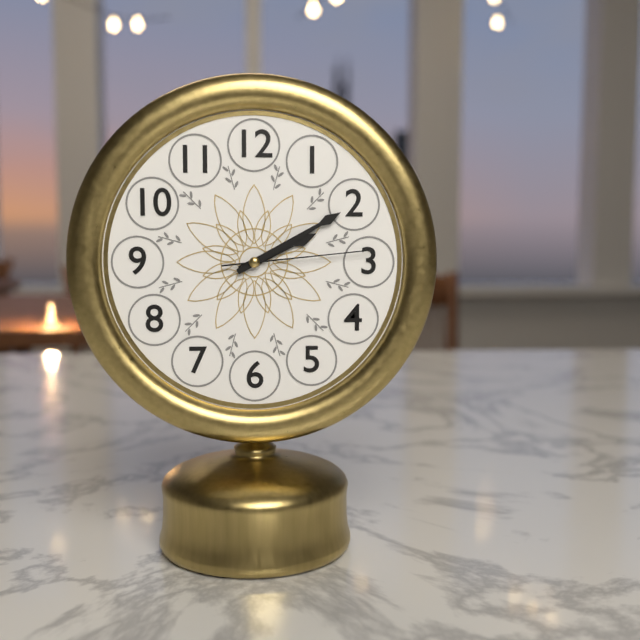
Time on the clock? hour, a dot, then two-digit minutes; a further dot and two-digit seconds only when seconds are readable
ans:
2.10.14
